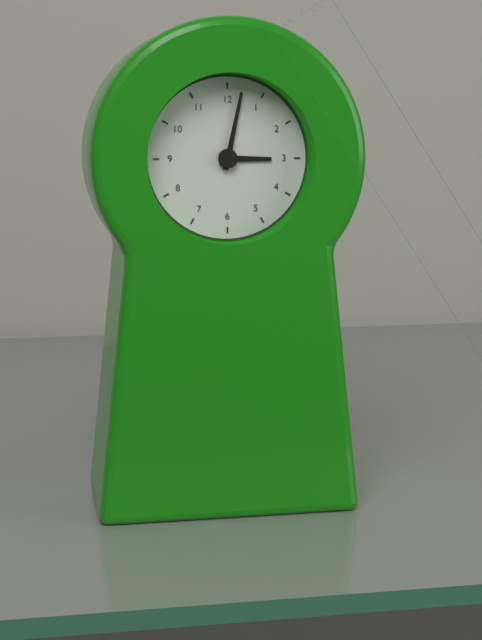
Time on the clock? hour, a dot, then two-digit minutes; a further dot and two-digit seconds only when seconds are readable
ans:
3.02
